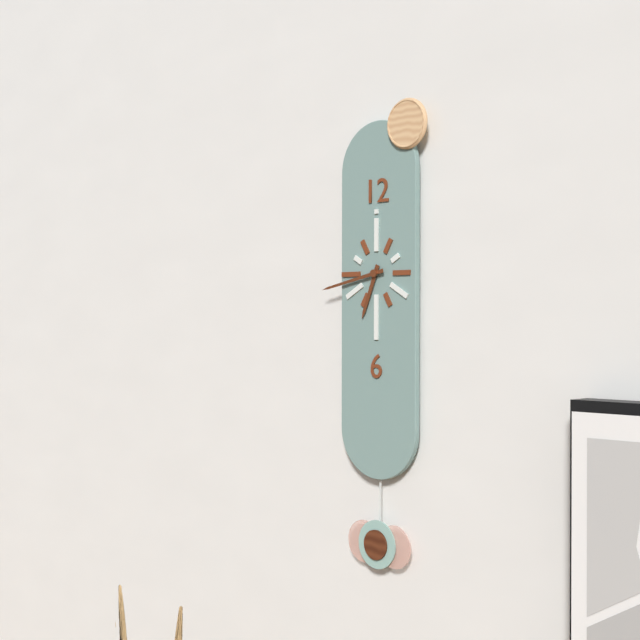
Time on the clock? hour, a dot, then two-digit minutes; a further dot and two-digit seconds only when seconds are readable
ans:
6.43
